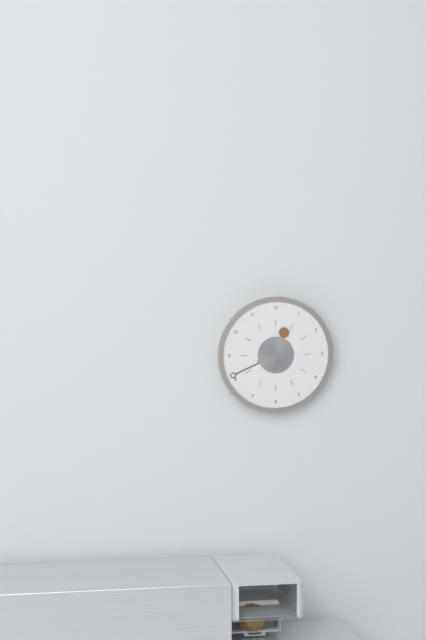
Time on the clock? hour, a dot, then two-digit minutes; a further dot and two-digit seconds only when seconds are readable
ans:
12.41
